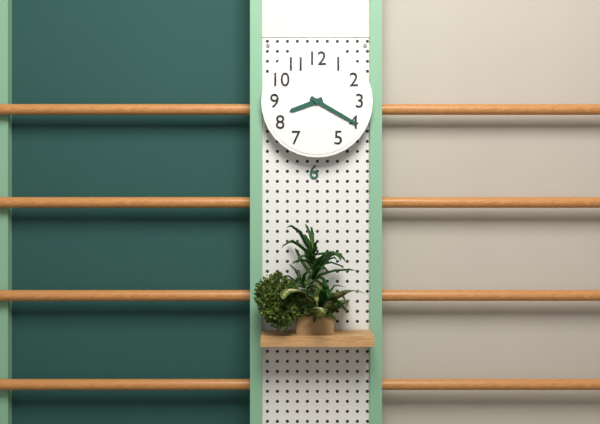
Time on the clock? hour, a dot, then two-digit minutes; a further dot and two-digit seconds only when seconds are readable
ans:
8.20
